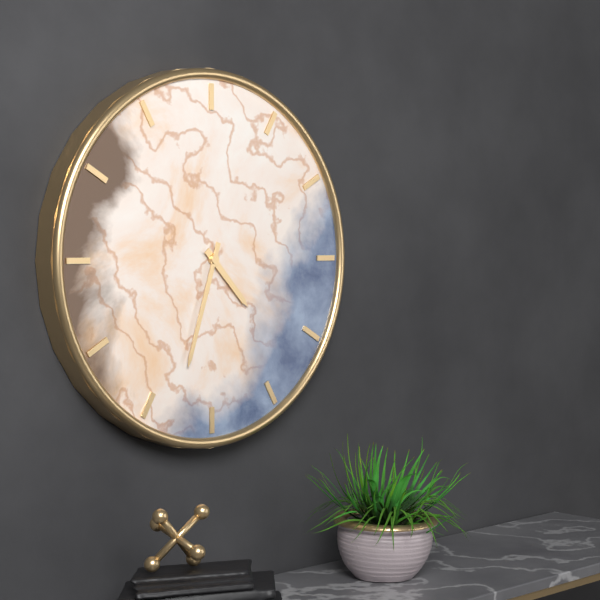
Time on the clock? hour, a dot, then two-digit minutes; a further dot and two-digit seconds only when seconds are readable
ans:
4.33
